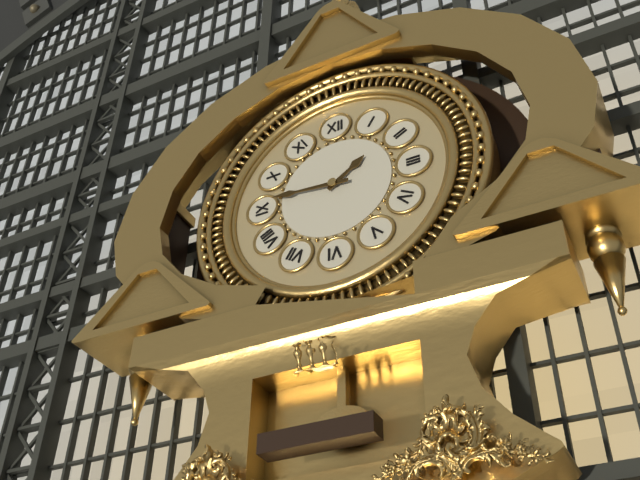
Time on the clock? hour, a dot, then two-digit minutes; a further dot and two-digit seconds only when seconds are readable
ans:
1.46
